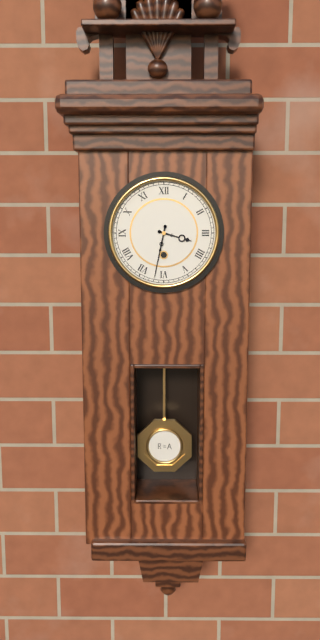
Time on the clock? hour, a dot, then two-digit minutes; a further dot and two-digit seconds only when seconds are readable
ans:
3.32
